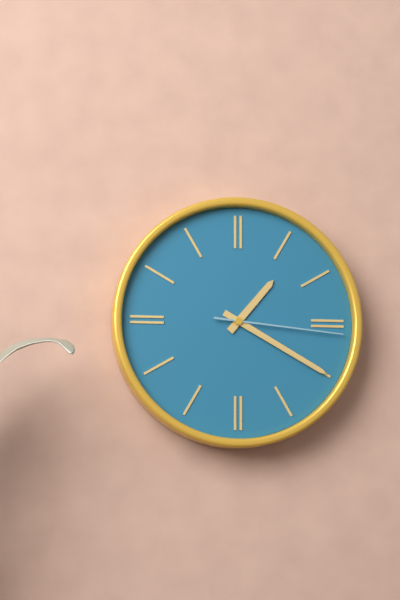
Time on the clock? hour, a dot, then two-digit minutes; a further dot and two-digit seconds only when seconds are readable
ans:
1.20.16
